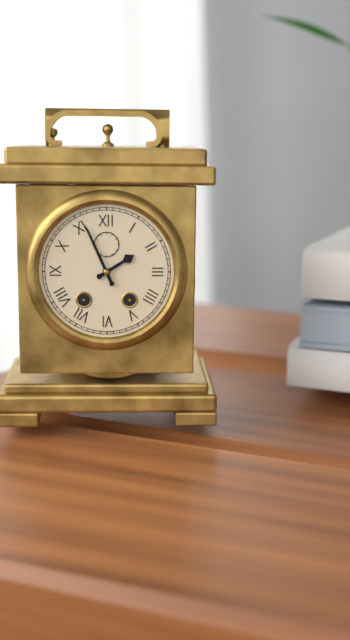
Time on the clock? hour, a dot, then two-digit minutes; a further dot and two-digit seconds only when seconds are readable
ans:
1.56
